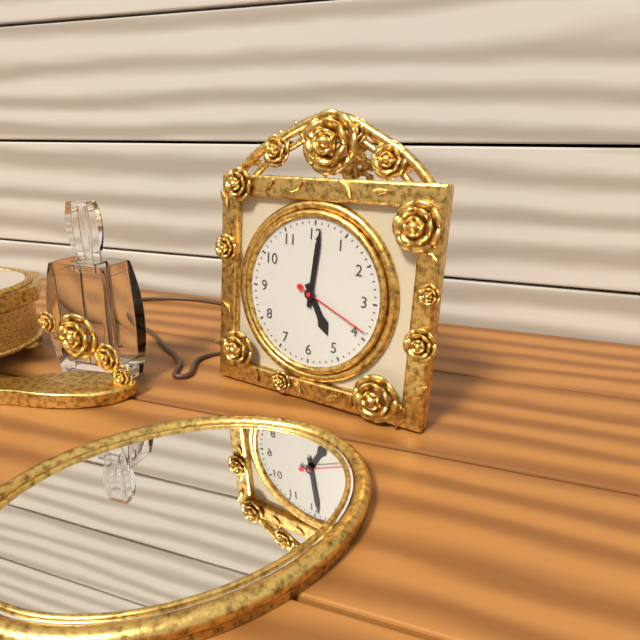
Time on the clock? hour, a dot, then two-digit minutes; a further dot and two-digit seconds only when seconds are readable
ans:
5.01.19
